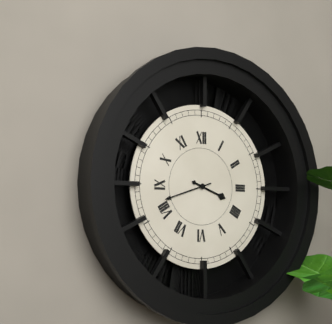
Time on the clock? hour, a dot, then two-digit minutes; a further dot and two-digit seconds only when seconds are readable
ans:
3.42
